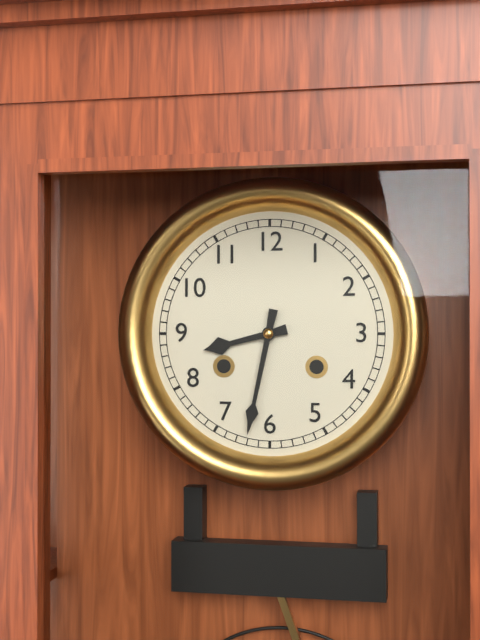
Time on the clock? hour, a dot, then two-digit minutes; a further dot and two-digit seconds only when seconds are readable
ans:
8.32
